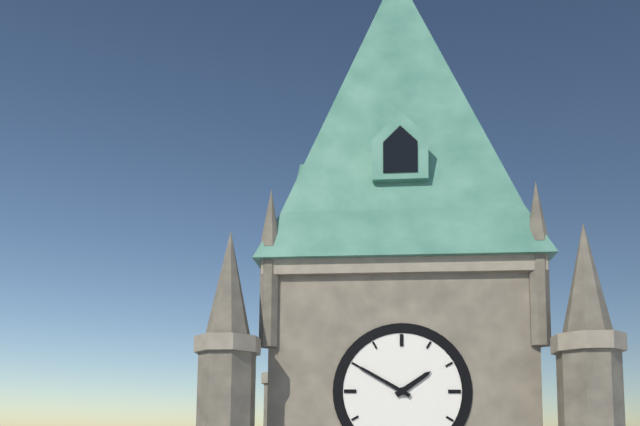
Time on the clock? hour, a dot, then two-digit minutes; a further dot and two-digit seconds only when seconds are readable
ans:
1.50
